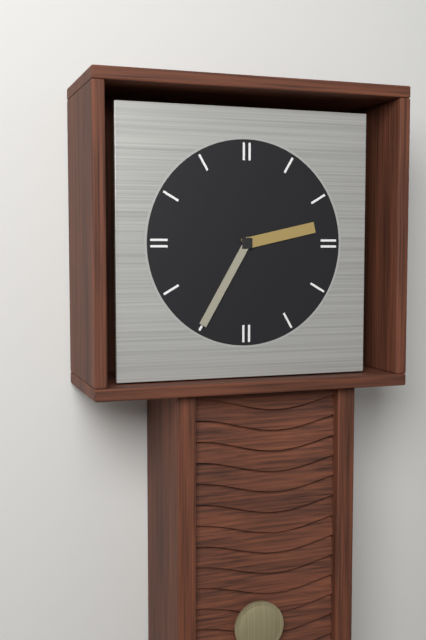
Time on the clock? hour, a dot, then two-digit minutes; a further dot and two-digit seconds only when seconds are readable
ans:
2.35
